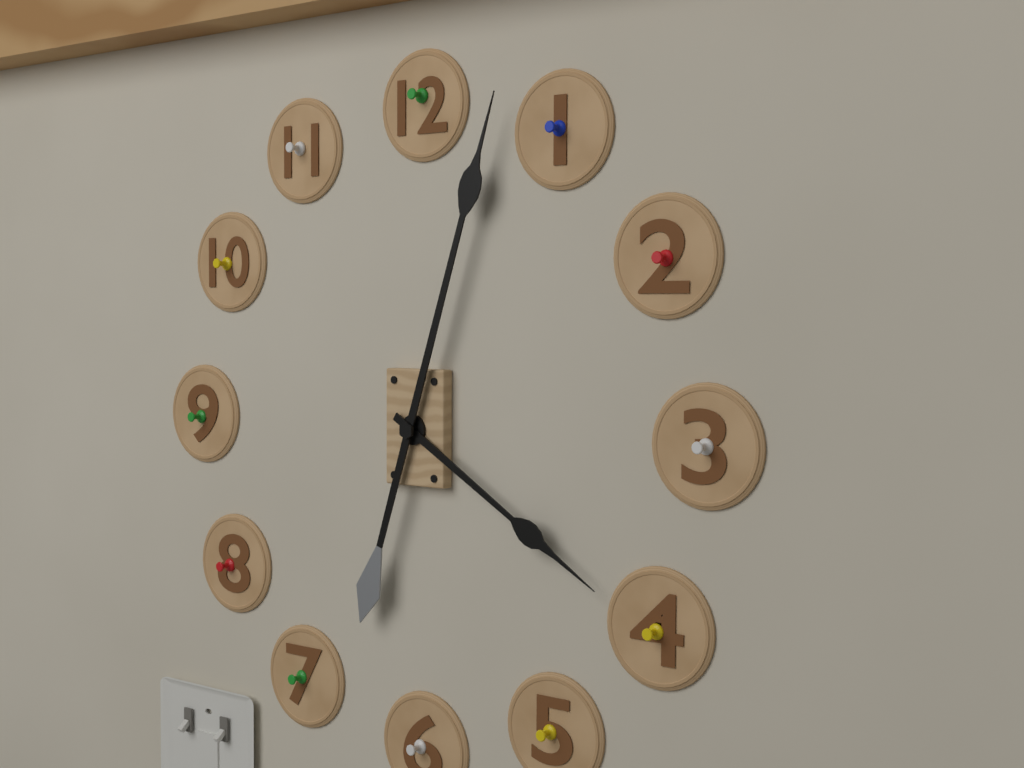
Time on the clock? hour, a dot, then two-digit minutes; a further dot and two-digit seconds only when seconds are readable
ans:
4.03
